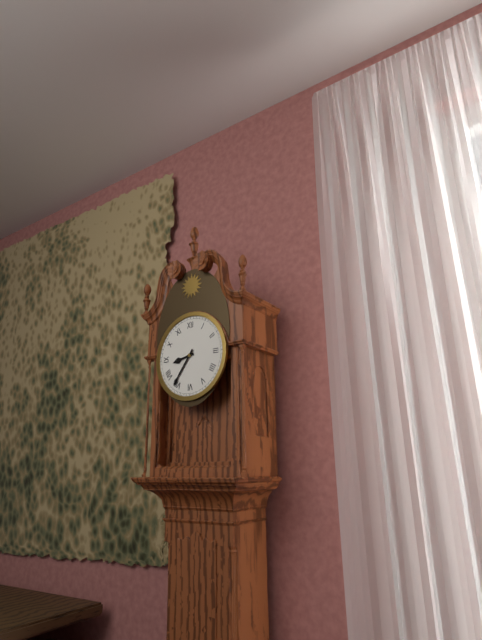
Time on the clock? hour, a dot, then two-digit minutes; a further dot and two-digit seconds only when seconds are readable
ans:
8.36
